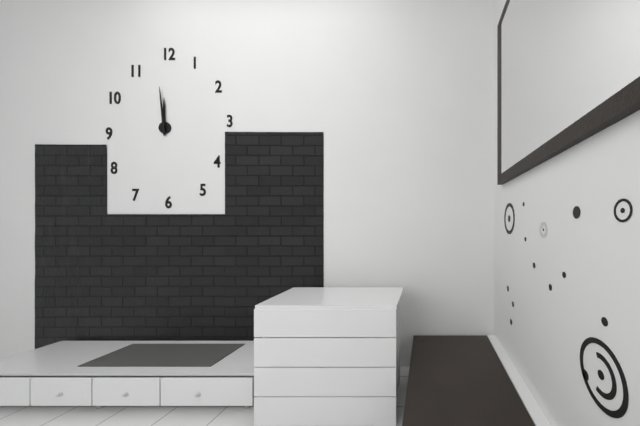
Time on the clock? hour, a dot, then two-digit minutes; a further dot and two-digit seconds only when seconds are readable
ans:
11.59
